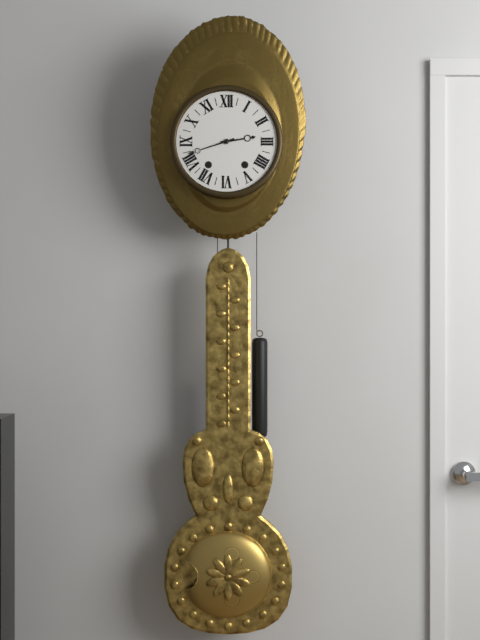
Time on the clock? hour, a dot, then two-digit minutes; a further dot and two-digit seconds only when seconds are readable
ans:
2.42
